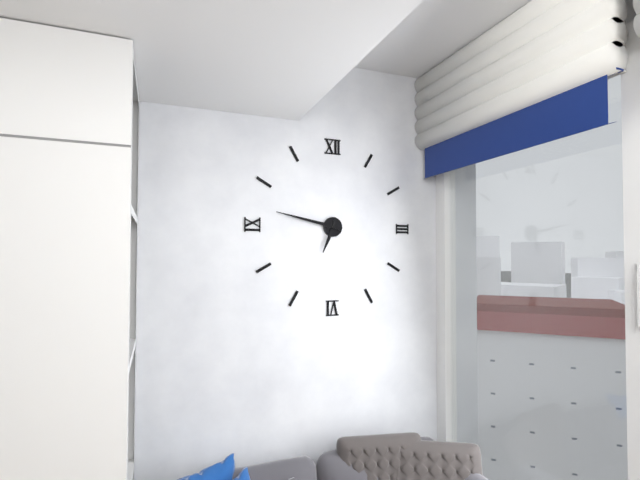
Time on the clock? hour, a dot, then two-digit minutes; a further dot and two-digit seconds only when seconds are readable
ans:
6.47
